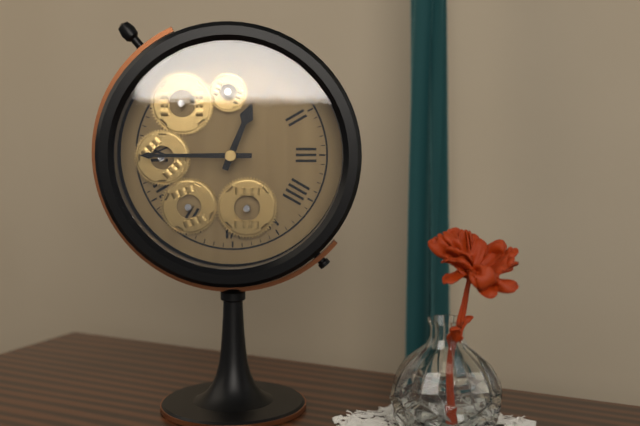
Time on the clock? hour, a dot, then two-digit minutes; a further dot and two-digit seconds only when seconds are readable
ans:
12.45
